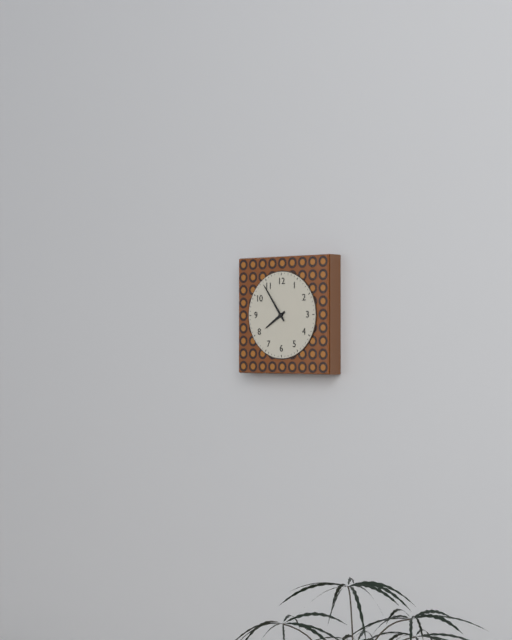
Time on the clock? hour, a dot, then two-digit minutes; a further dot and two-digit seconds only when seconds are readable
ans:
7.54
